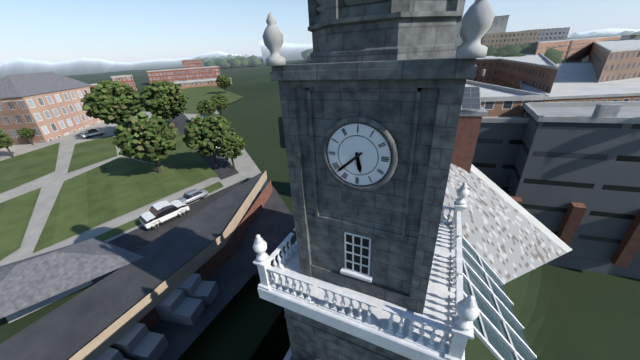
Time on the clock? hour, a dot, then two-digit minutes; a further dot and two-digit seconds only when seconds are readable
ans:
5.38
